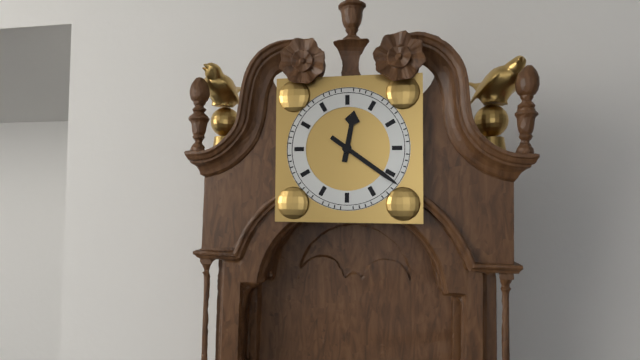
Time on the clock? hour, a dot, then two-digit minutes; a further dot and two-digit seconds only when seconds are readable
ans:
12.21
